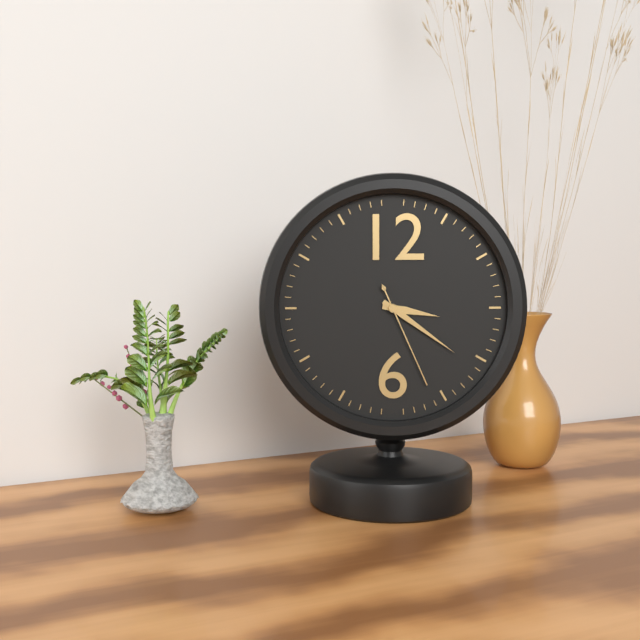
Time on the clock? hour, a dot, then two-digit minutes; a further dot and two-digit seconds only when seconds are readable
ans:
3.21.26
